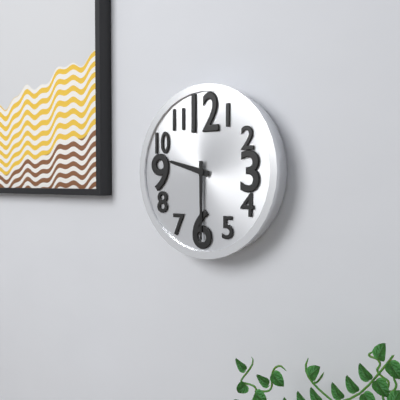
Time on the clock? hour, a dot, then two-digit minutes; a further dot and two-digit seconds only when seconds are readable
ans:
9.30
